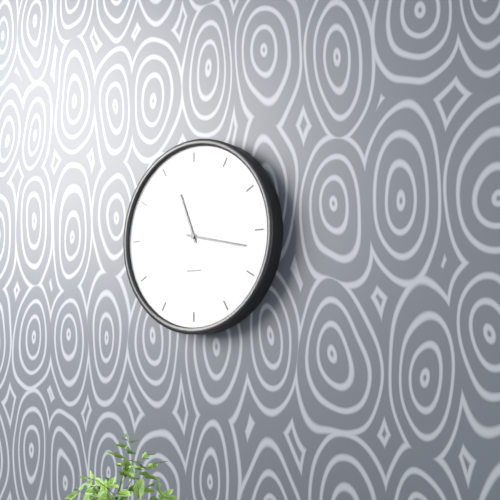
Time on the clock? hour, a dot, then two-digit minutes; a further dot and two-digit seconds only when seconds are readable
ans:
11.17
